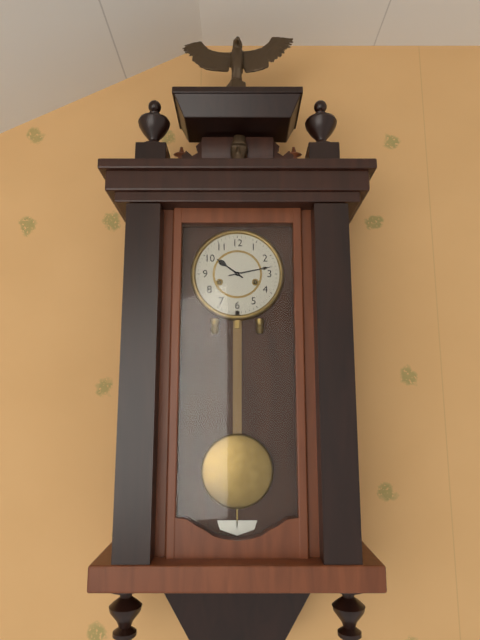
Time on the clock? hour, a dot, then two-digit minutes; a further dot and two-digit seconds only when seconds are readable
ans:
10.13
